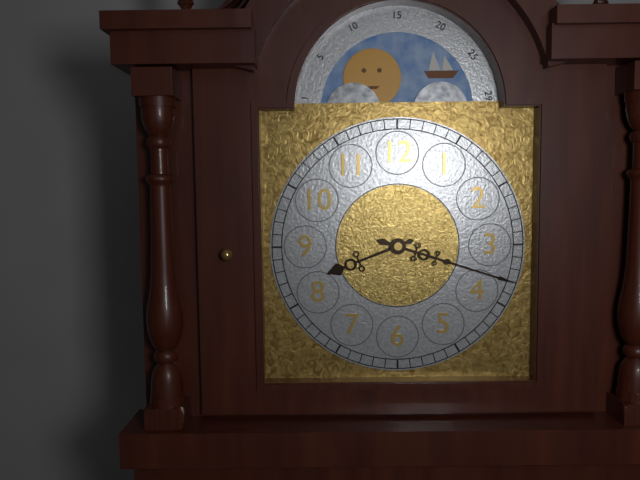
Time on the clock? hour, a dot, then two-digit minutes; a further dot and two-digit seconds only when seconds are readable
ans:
8.18
